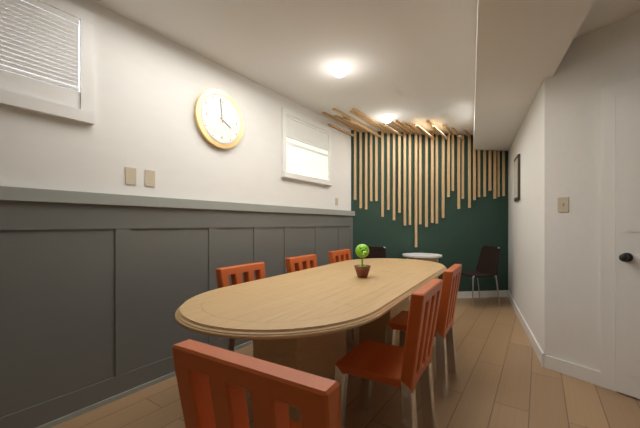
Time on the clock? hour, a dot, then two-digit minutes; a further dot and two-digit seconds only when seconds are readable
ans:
3.59
